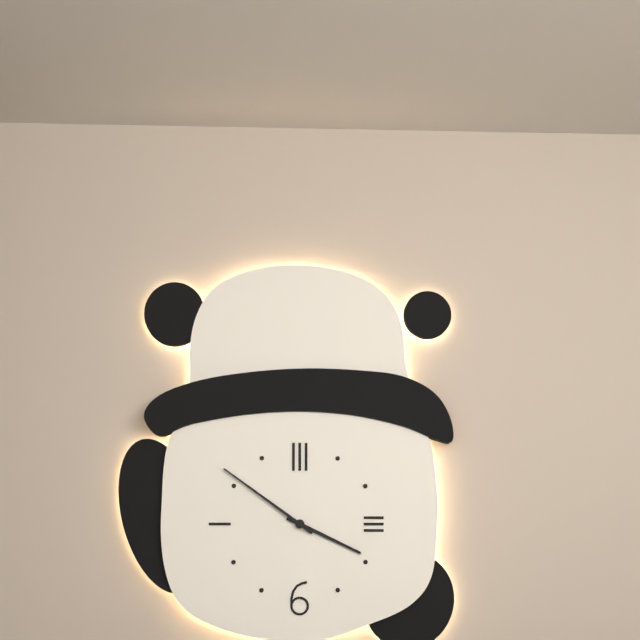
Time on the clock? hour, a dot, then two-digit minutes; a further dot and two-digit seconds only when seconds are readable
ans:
3.51
